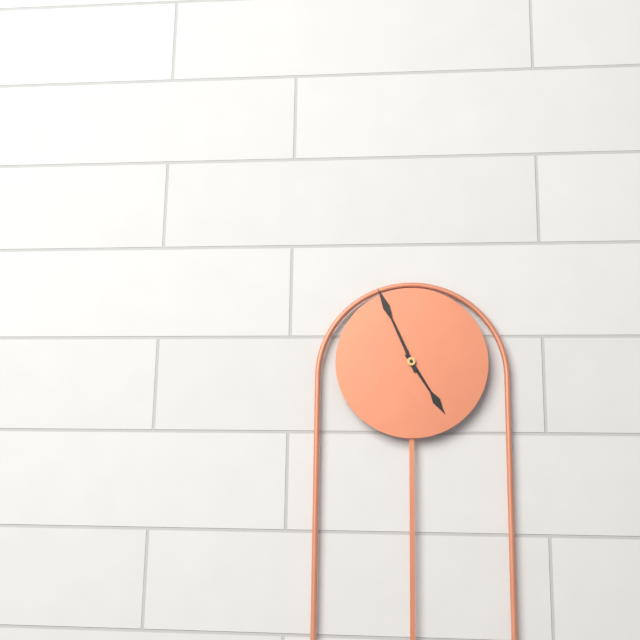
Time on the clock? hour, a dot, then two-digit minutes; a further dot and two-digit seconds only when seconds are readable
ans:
4.56
